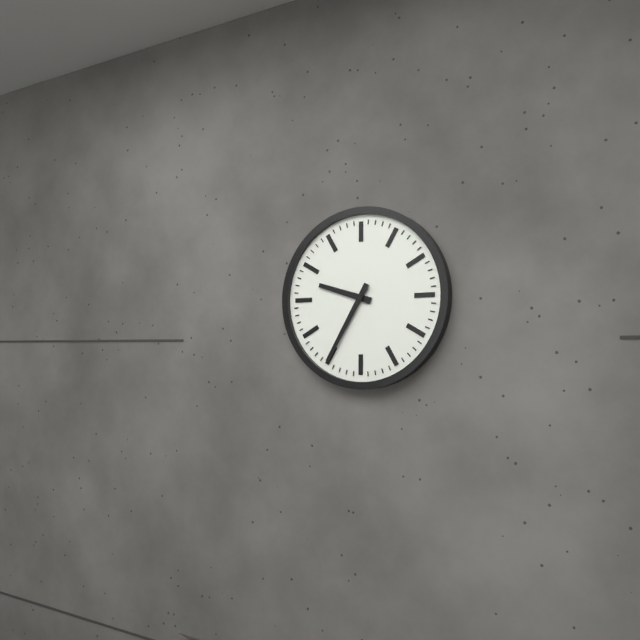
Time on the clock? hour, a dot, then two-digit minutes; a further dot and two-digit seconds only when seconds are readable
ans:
9.35
